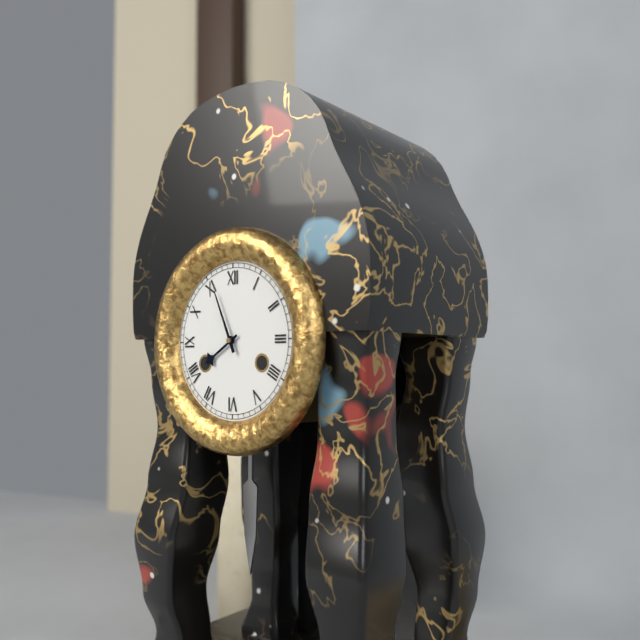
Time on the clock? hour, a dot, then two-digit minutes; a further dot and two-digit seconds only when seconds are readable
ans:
7.56
